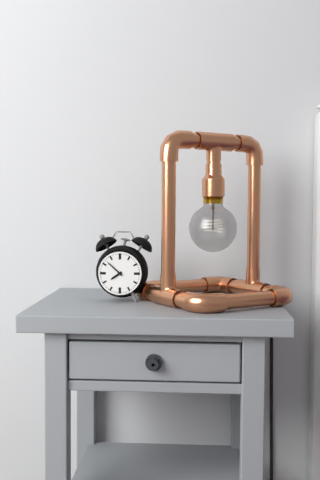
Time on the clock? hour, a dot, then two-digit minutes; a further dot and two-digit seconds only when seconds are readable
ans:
7.52
